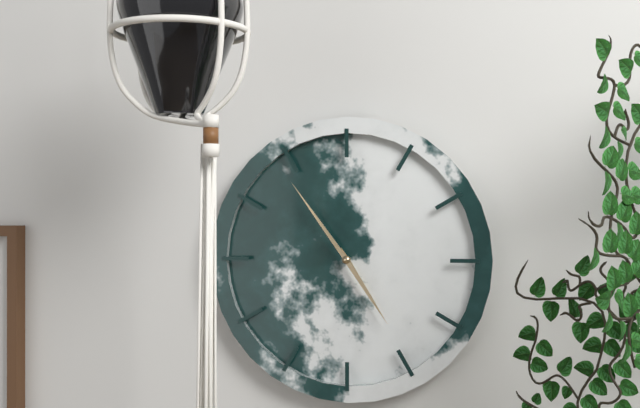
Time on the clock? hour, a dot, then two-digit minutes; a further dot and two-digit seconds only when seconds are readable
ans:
4.54
